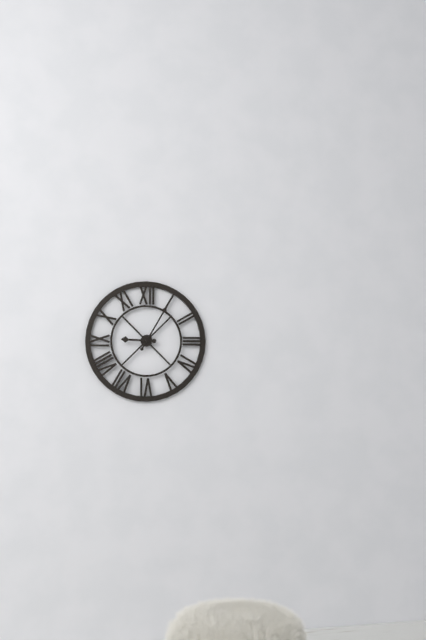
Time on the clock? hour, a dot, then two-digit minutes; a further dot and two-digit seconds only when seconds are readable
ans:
9.05
